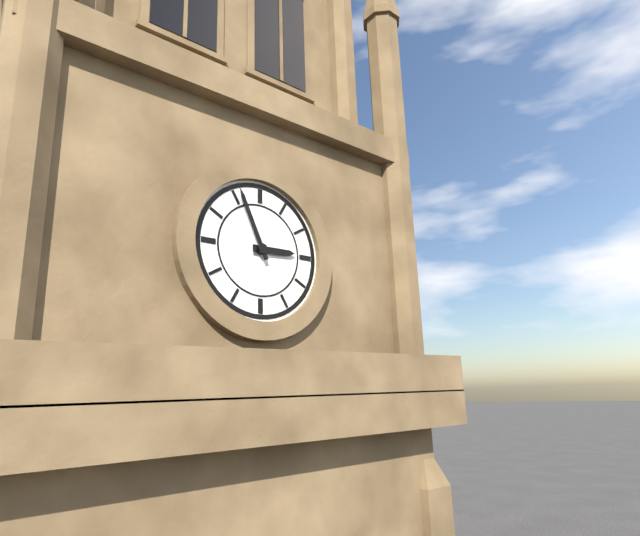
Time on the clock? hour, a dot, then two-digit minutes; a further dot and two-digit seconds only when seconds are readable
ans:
2.56
